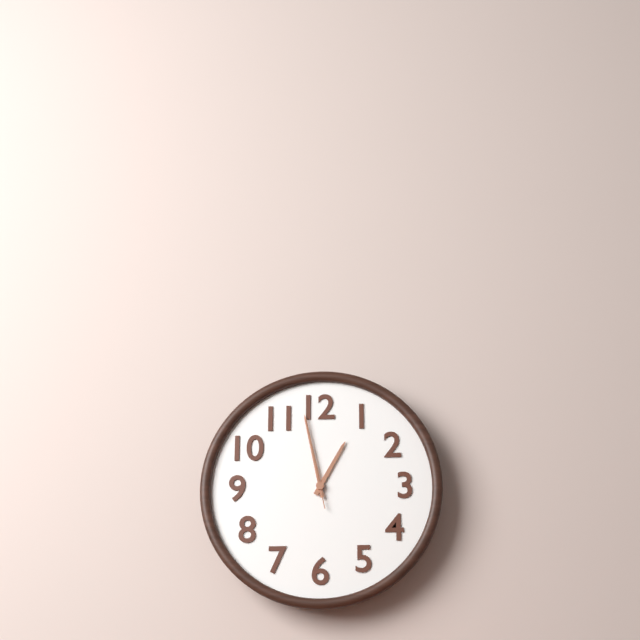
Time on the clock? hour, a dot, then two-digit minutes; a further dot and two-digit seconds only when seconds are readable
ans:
12.58.58
